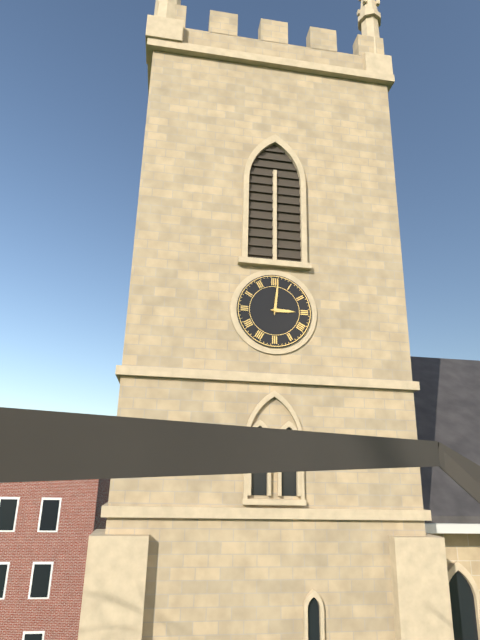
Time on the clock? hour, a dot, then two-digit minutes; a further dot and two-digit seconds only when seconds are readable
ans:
3.01
